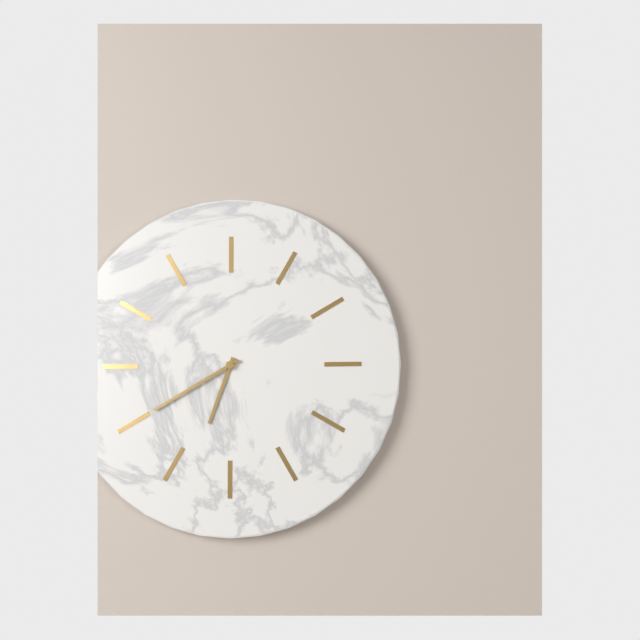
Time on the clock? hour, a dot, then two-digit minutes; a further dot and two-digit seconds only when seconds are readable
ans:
6.40
